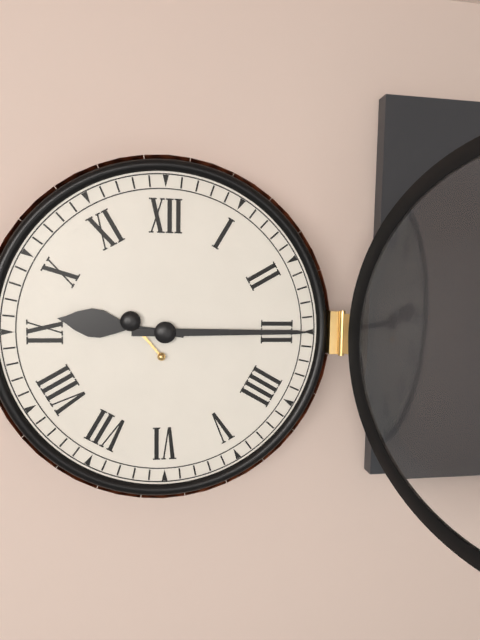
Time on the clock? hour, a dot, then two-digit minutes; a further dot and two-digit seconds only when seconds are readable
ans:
9.15
